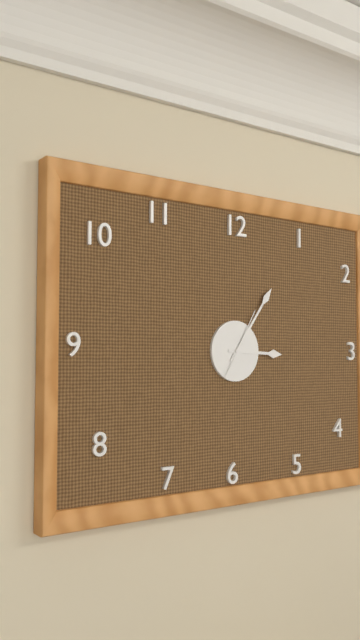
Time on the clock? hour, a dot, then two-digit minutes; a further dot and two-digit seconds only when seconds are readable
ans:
3.06.05
